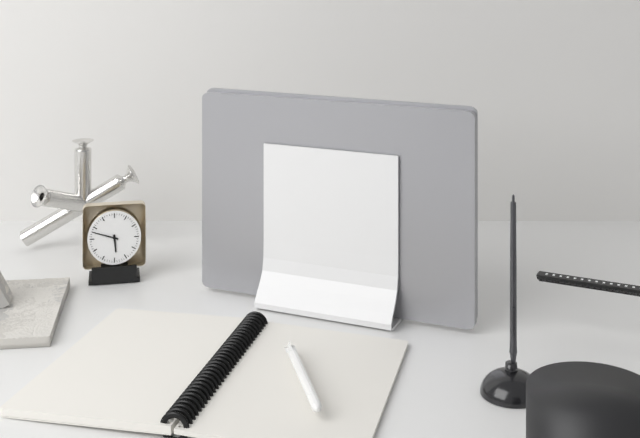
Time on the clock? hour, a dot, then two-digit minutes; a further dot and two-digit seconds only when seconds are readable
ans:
5.48
